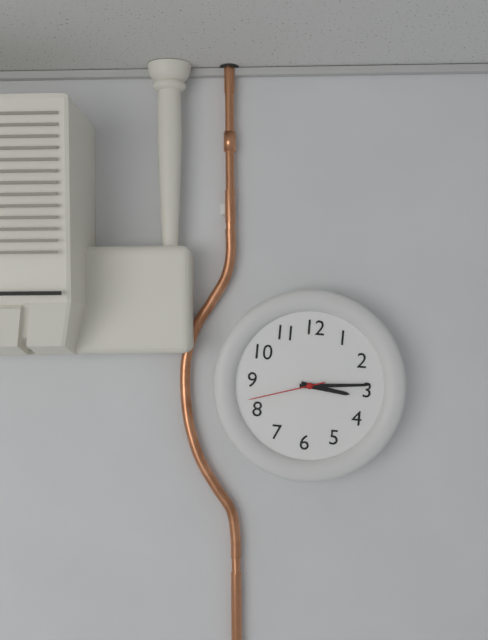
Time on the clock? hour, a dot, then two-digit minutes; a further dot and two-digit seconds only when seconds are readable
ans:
3.14.42
